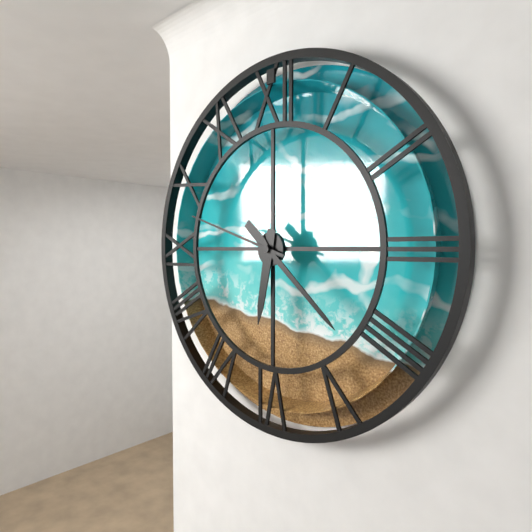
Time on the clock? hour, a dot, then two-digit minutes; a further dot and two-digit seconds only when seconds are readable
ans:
6.22.48
